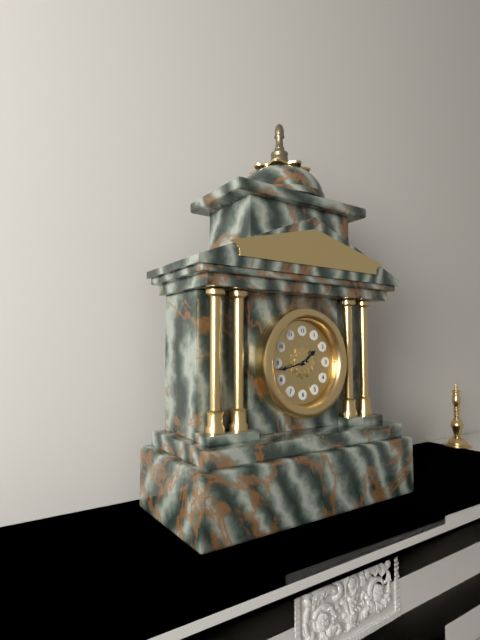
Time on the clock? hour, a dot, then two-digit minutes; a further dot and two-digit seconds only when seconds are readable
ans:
1.43
